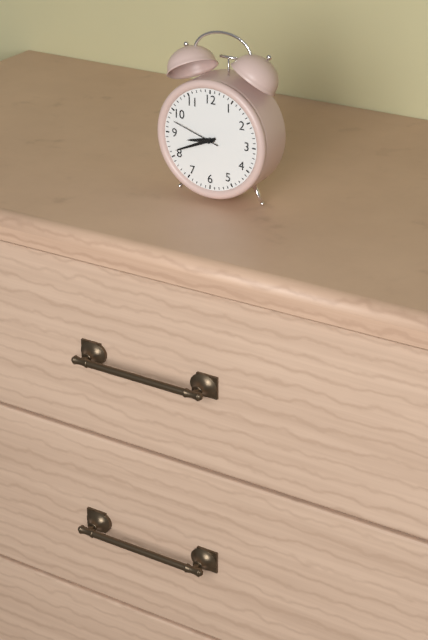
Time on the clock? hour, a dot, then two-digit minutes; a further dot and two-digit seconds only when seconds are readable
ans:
8.41
